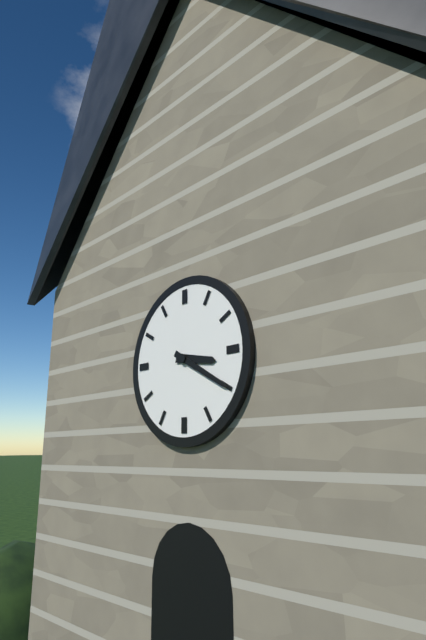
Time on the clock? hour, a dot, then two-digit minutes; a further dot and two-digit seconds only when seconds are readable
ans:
3.20
